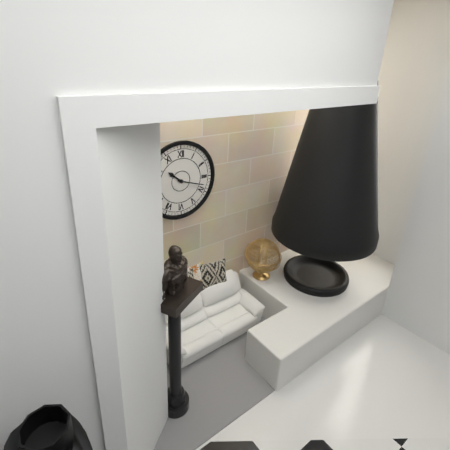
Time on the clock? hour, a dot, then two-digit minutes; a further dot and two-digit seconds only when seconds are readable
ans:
10.18
